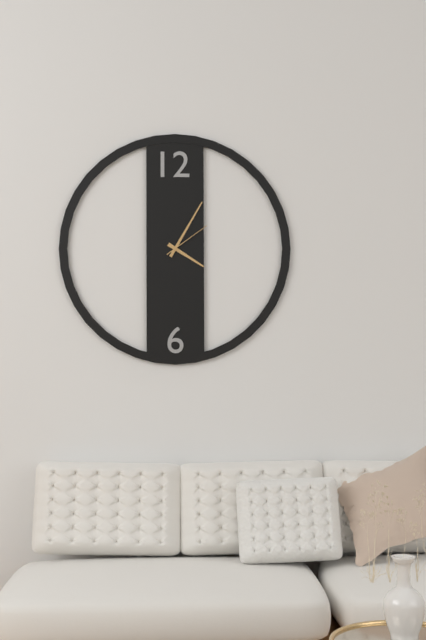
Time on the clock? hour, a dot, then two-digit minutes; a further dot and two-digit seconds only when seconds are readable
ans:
4.05
